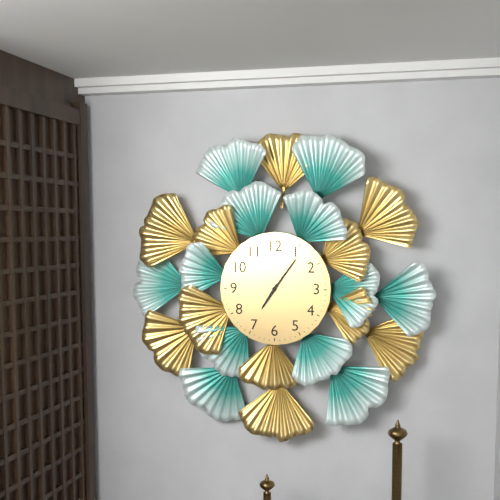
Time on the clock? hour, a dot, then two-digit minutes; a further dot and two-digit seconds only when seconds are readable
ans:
7.06
